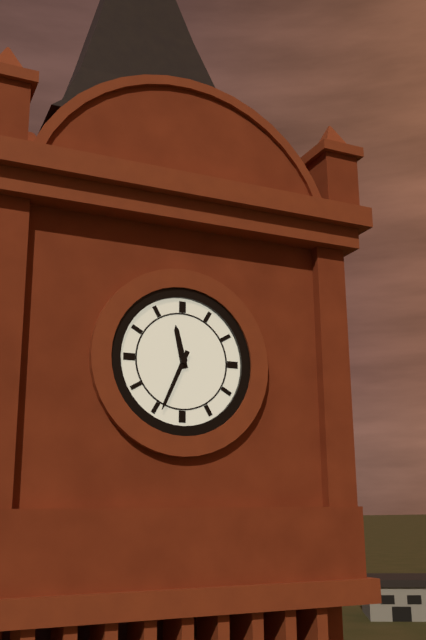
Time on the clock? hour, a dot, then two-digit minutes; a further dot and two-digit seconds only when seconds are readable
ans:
11.34
